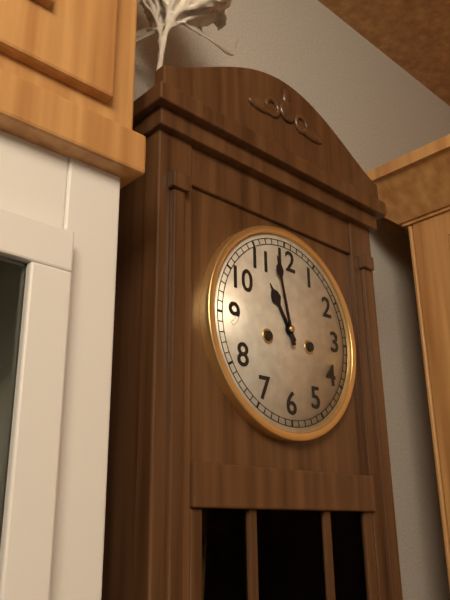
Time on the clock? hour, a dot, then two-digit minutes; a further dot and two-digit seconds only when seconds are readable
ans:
10.58
